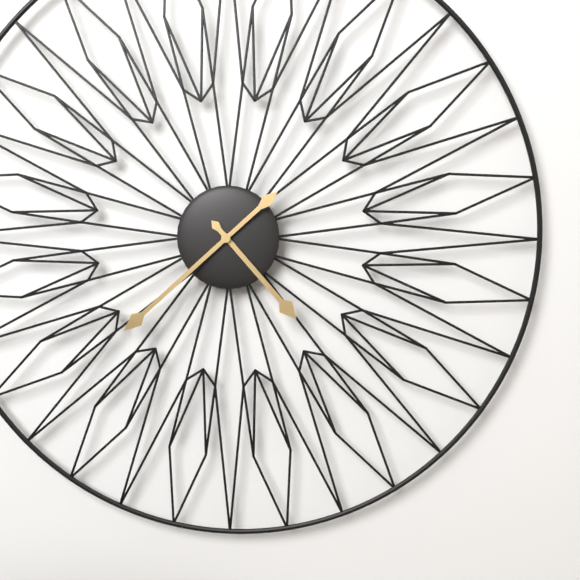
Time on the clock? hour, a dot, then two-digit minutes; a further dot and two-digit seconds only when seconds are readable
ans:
4.38
